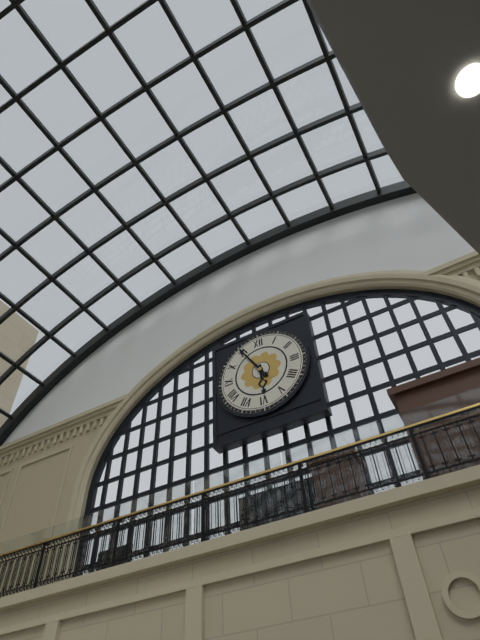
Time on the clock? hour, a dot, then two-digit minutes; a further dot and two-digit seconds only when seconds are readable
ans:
5.55
